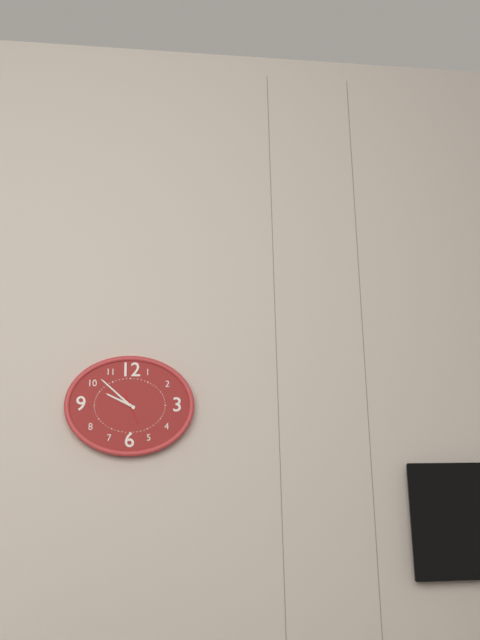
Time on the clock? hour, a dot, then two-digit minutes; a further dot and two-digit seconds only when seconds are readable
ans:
9.52
